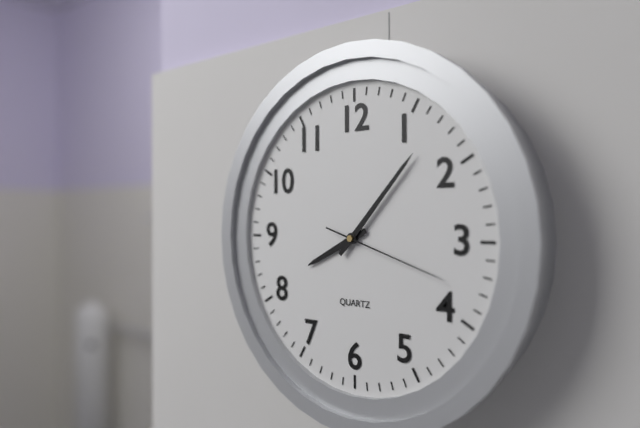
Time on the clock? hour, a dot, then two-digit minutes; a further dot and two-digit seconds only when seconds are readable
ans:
8.07.18
